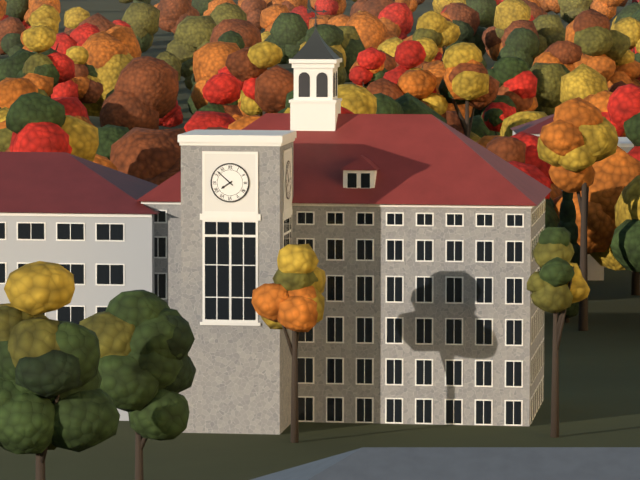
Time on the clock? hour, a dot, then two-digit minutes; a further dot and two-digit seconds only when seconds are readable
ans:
7.52
